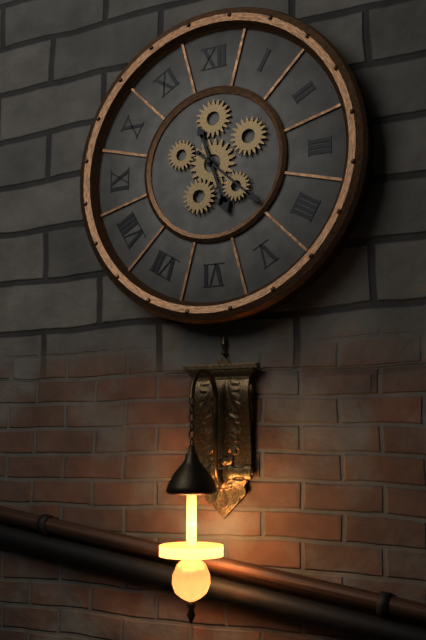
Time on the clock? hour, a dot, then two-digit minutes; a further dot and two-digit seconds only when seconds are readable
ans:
5.22
